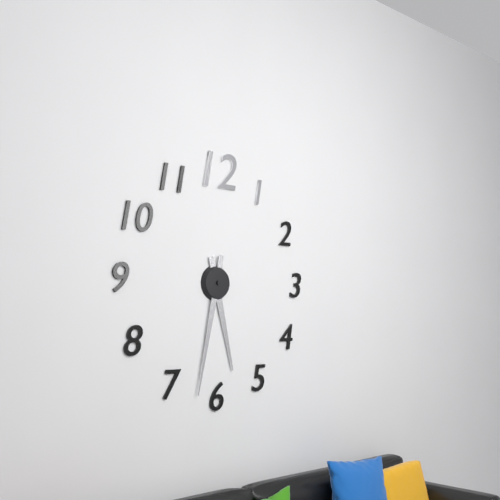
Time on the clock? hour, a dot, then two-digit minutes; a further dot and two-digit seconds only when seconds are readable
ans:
5.32
